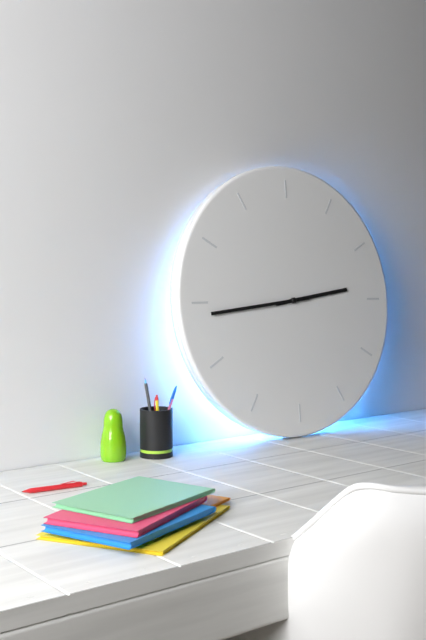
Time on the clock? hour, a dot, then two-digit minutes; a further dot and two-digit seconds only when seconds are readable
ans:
2.44
